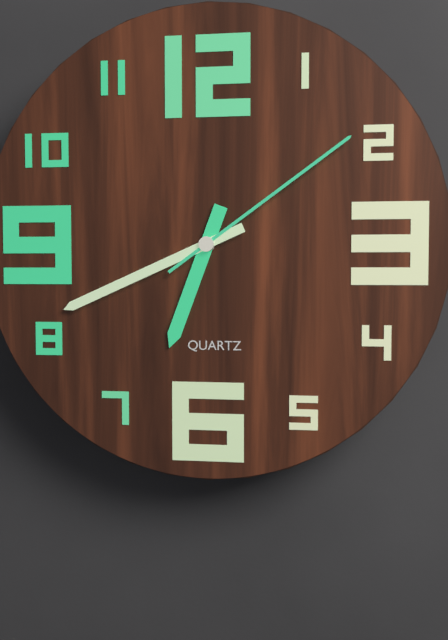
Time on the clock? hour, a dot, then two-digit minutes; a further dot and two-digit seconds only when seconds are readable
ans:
6.41.09
